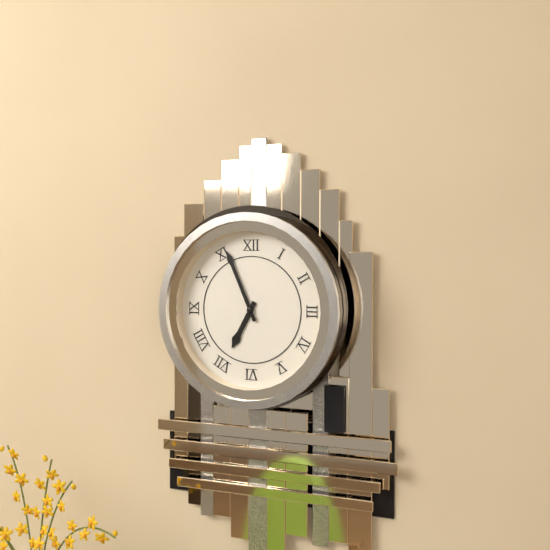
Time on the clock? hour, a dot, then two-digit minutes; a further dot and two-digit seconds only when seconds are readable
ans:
6.56
